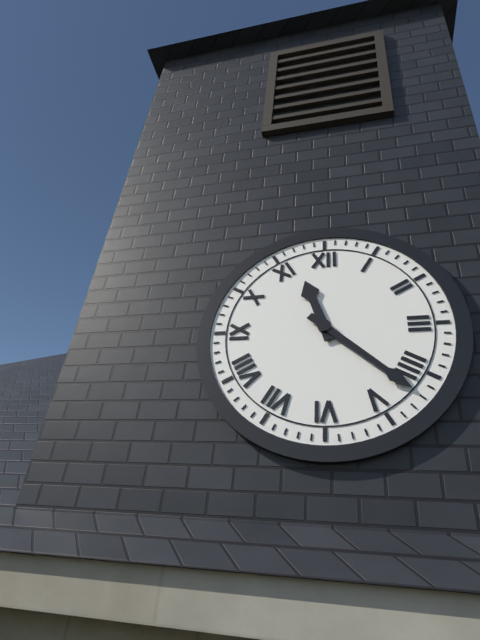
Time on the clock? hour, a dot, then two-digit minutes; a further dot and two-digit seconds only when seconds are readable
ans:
11.22
